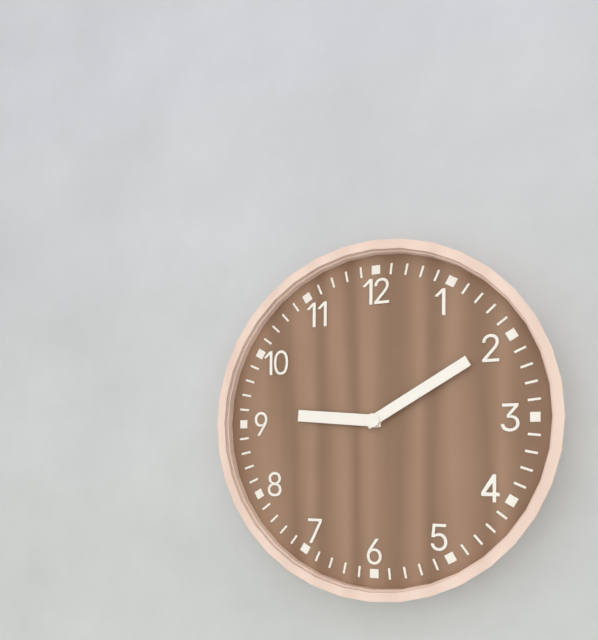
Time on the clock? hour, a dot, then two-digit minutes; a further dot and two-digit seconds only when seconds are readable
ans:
9.10
